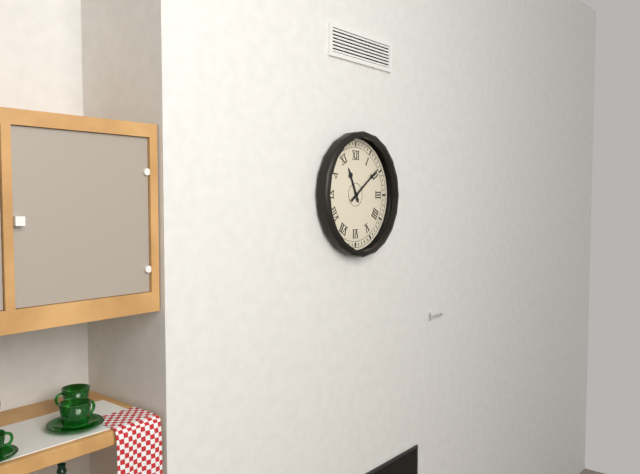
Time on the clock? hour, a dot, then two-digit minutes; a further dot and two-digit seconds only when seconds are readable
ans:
11.09
